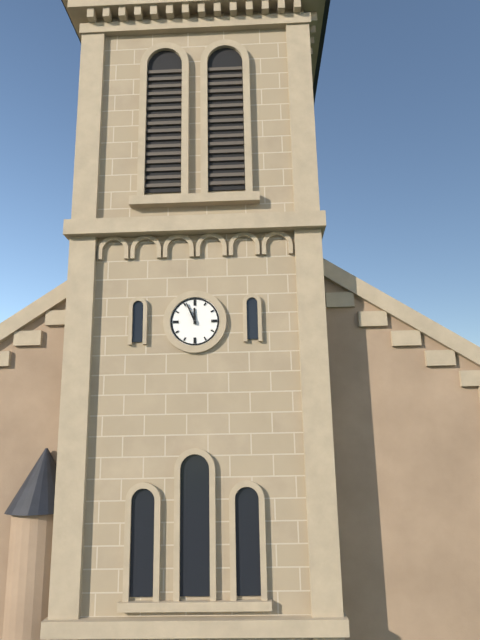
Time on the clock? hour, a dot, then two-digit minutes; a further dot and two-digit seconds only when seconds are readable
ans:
11.56
